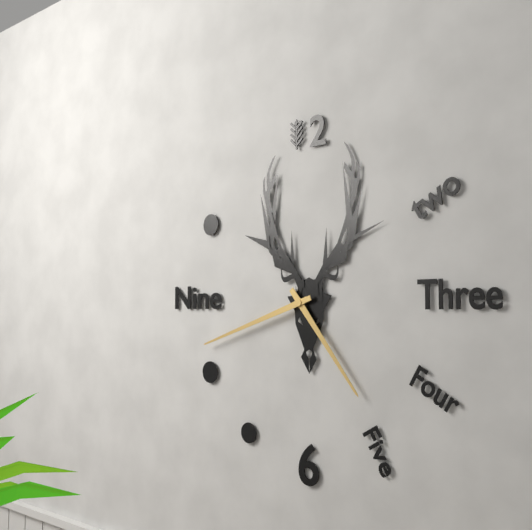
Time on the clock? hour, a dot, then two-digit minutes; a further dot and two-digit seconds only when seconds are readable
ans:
4.42
